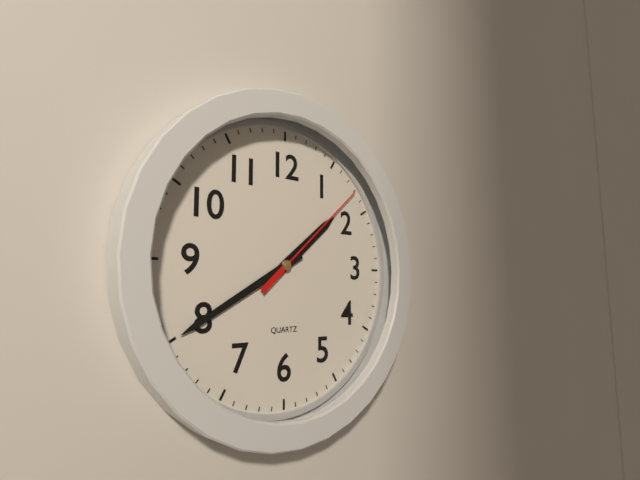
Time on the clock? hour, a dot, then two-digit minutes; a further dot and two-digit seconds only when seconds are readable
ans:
1.40.08
